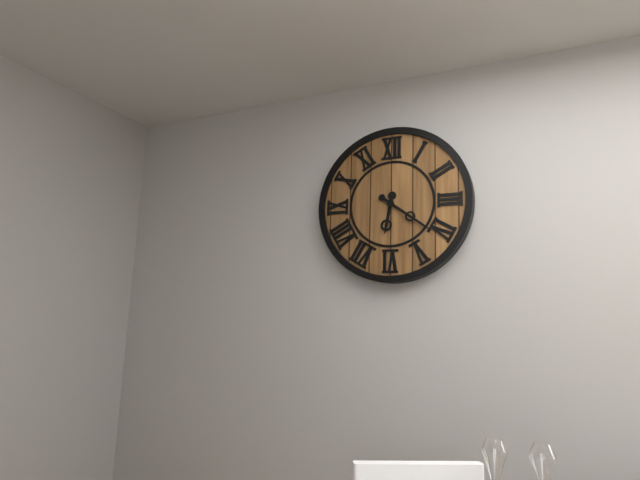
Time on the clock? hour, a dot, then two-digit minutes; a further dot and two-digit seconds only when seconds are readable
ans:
6.21
